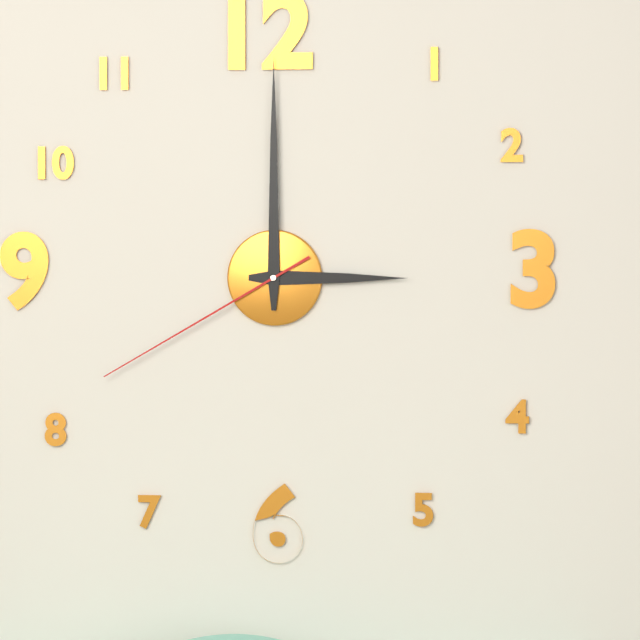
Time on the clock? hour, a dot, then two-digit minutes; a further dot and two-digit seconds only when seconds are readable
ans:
3.00.40
